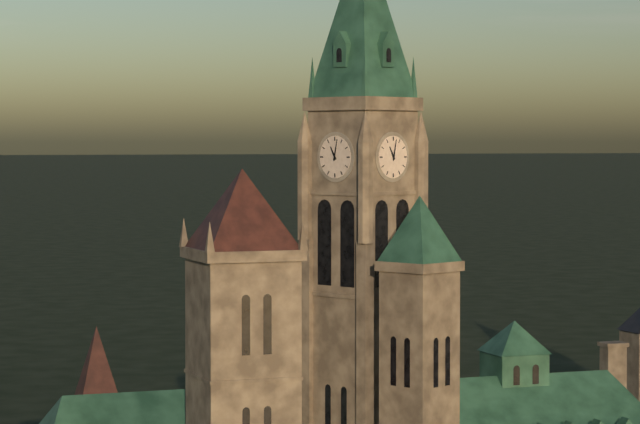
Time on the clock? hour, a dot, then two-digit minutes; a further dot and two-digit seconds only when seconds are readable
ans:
11.02
